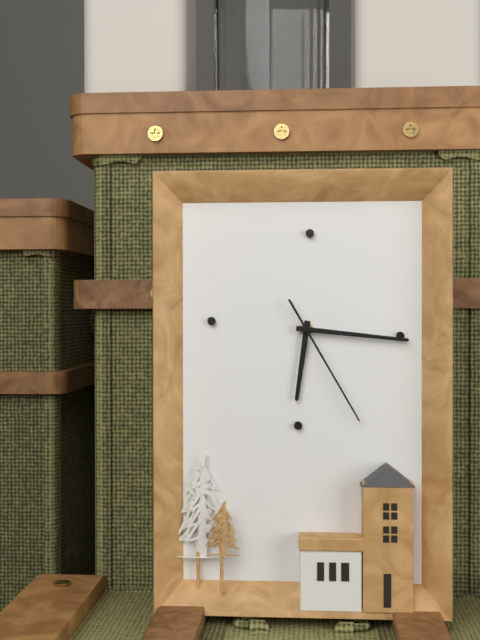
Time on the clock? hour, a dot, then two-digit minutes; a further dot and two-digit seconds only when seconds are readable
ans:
6.16.25
